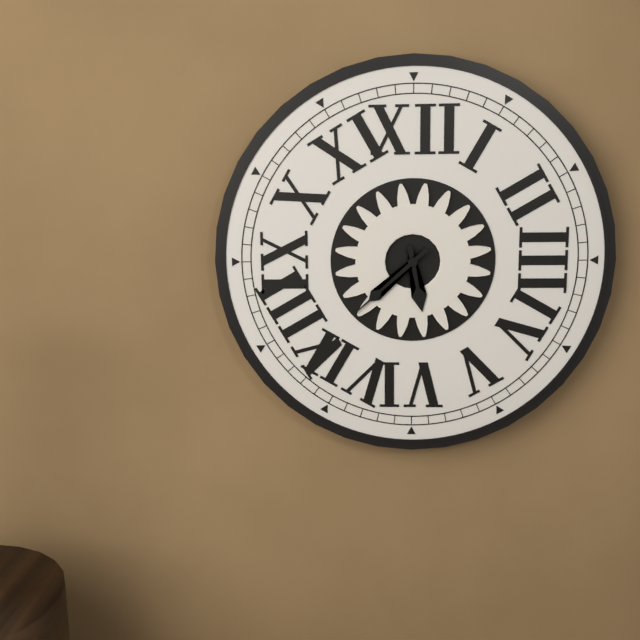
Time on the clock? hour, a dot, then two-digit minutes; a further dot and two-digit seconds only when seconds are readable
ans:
5.38
